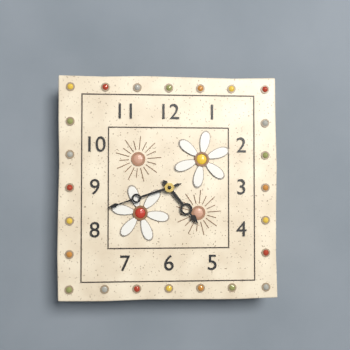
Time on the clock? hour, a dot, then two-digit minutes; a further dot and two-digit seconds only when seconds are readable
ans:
4.42
